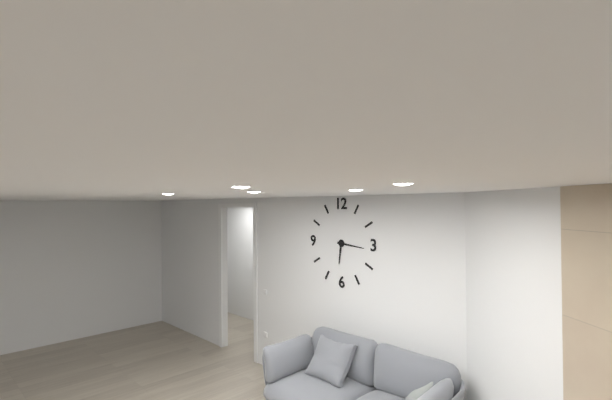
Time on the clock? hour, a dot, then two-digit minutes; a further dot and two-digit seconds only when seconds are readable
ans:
6.16
